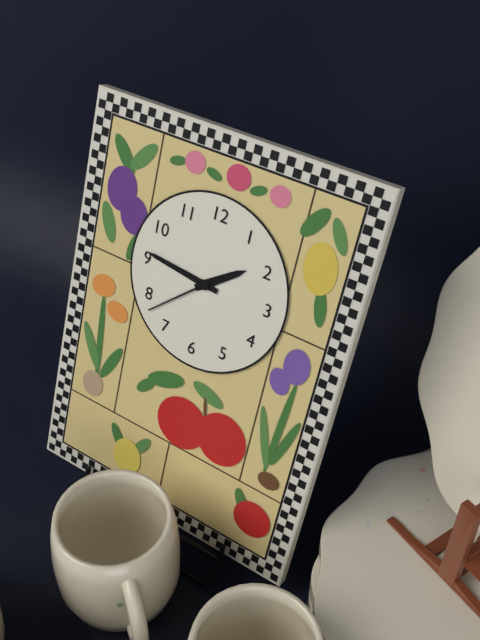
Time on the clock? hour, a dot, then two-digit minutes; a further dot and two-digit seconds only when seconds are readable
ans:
1.46.38
